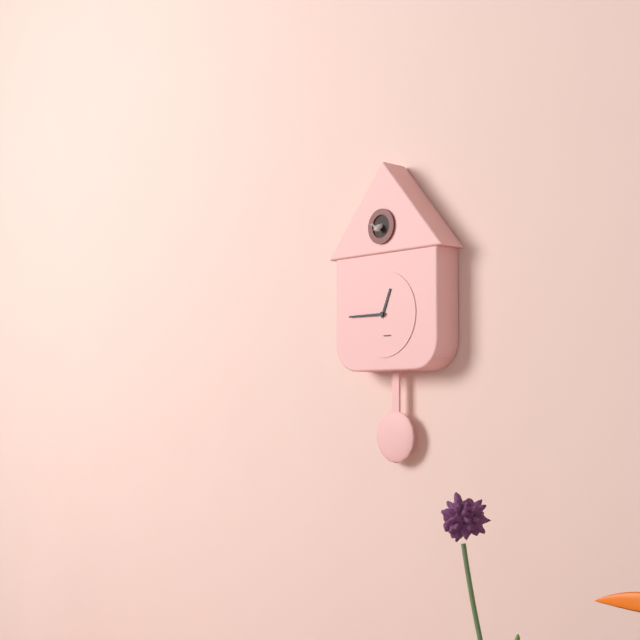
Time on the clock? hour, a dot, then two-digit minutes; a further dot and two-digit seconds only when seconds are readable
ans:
12.45
